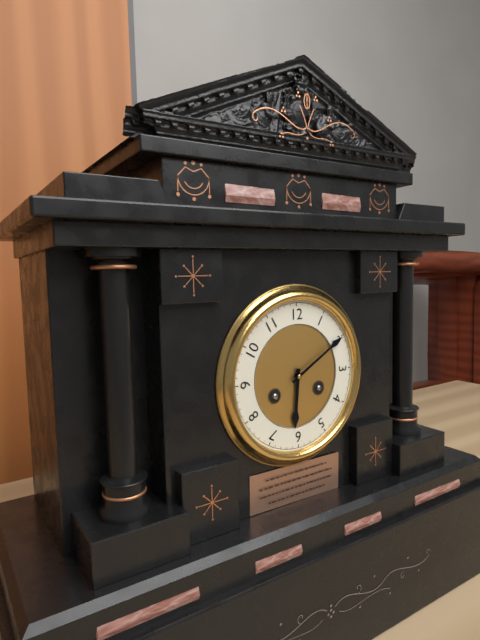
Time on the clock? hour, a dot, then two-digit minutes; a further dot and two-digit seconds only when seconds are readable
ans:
6.10
